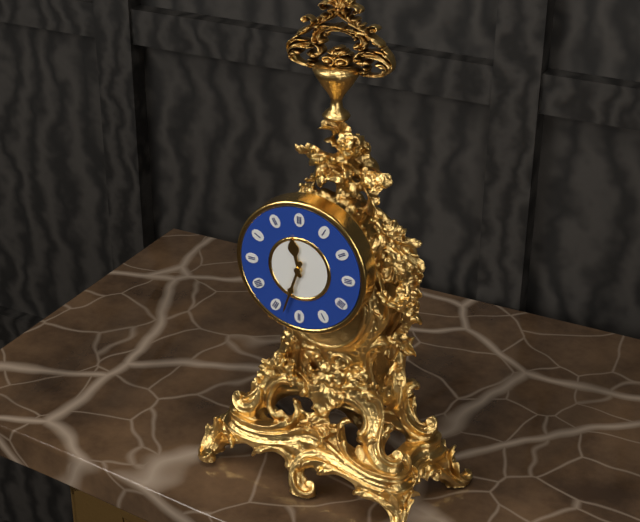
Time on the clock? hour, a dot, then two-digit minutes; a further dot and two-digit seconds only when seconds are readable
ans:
11.33
